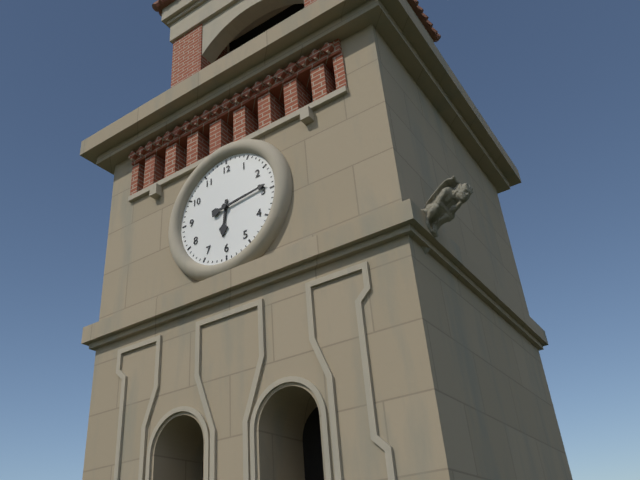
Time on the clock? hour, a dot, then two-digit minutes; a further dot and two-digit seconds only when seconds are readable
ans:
6.14
